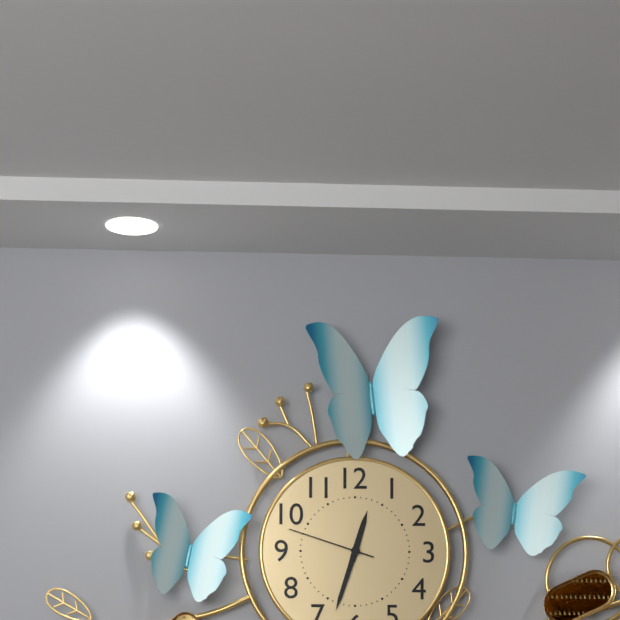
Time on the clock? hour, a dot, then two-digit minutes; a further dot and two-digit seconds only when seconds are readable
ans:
12.33.48
